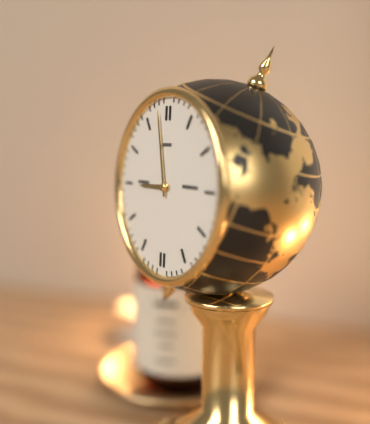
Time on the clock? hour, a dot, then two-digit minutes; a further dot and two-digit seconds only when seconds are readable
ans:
8.58
